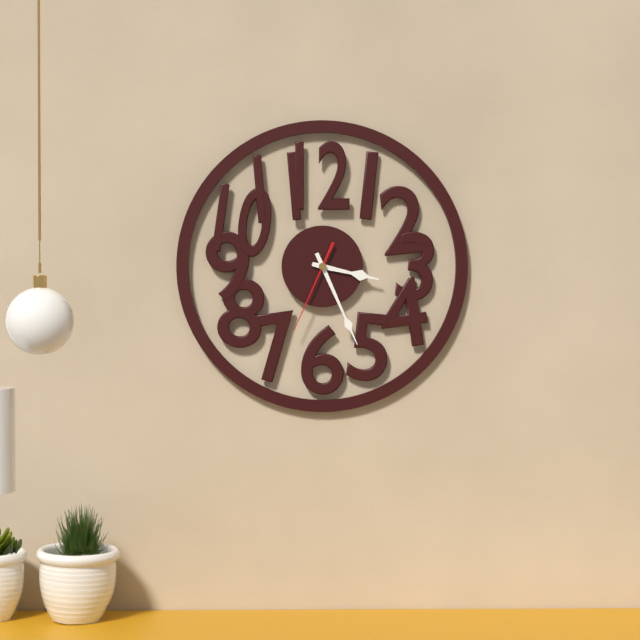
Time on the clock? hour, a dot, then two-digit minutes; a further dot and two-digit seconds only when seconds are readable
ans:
3.26.34
